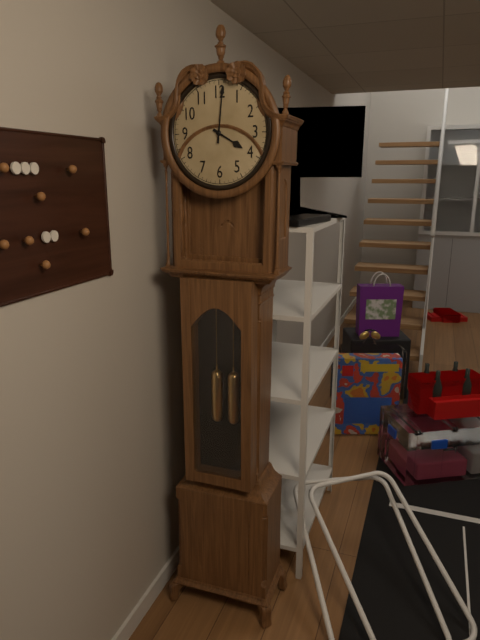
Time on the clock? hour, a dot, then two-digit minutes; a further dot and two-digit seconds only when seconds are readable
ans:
4.01
